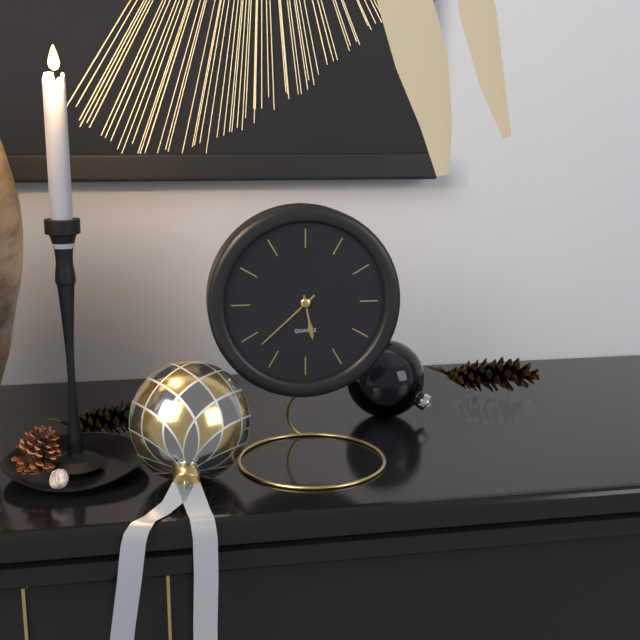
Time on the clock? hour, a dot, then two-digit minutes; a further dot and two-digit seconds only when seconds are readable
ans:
5.38
